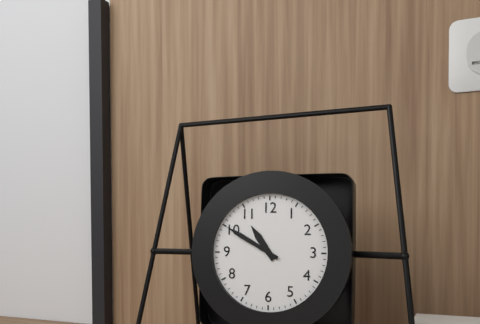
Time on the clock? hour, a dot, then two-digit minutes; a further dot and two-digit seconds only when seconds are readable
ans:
10.50
